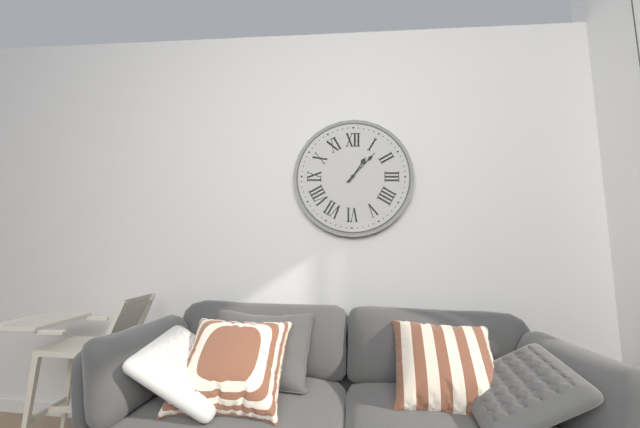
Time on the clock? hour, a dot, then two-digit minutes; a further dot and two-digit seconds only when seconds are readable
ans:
1.07
